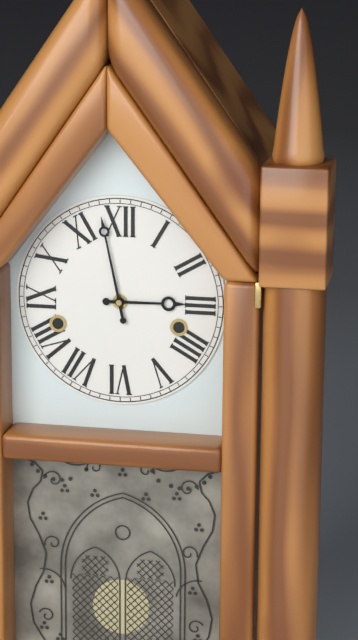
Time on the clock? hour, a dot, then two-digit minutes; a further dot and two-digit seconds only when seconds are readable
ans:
2.58
